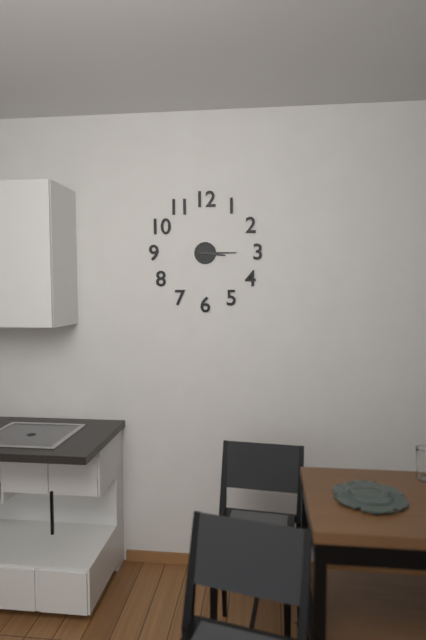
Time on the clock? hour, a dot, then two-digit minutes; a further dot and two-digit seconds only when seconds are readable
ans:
3.15
